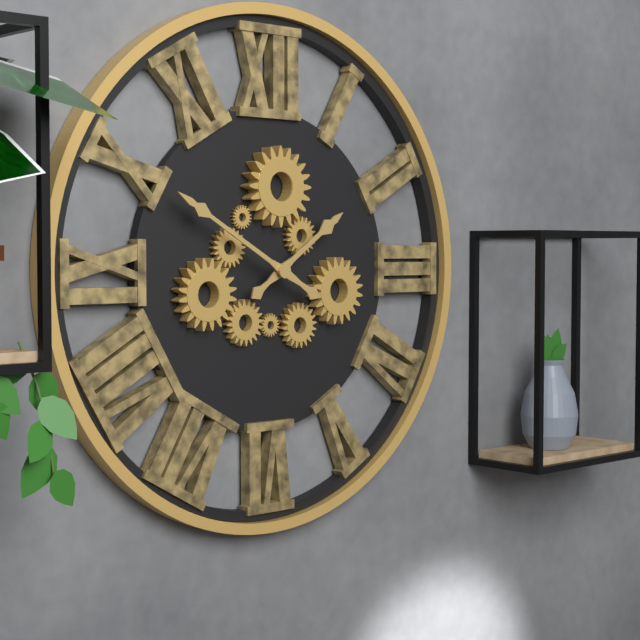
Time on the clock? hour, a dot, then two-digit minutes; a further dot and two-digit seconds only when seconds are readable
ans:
1.50
